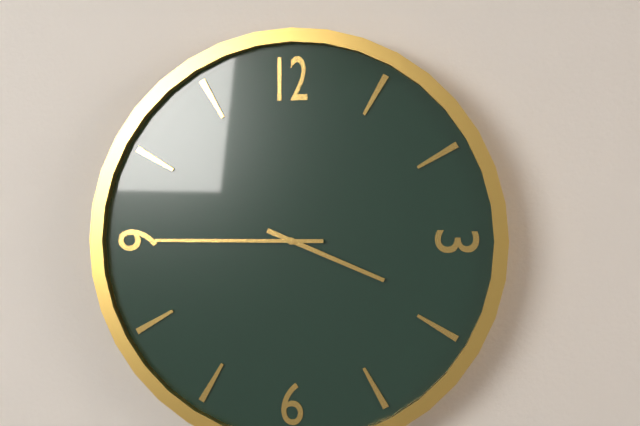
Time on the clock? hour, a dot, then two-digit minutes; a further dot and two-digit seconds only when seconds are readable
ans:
3.45
